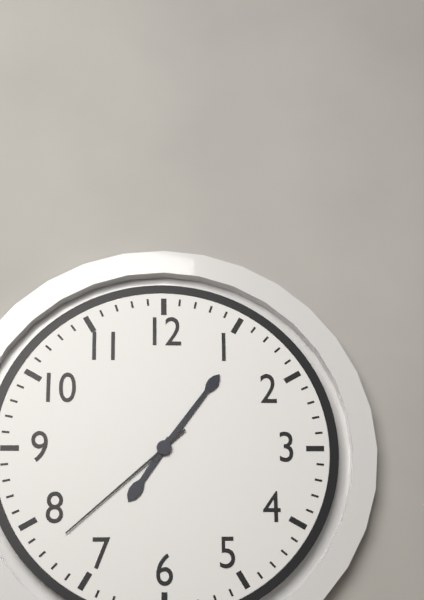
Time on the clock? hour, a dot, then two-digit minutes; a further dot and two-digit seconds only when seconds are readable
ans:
7.06.38
